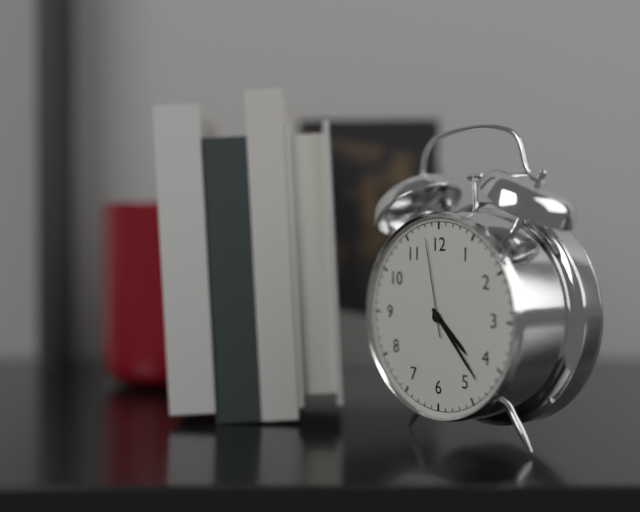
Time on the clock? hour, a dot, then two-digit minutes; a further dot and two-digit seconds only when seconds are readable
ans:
4.23.58
